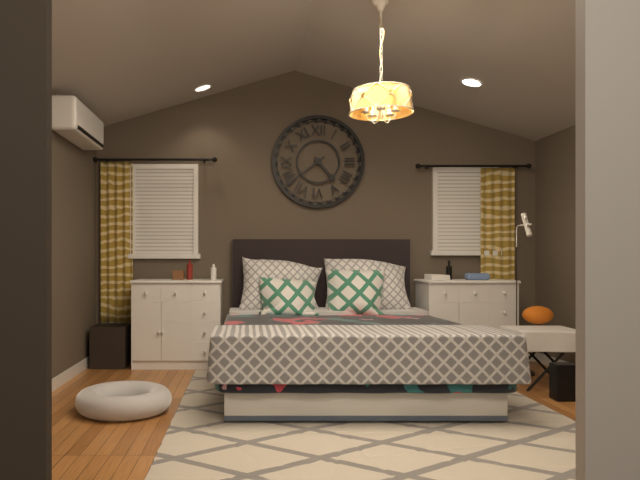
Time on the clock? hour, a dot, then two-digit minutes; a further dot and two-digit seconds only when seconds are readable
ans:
4.39
